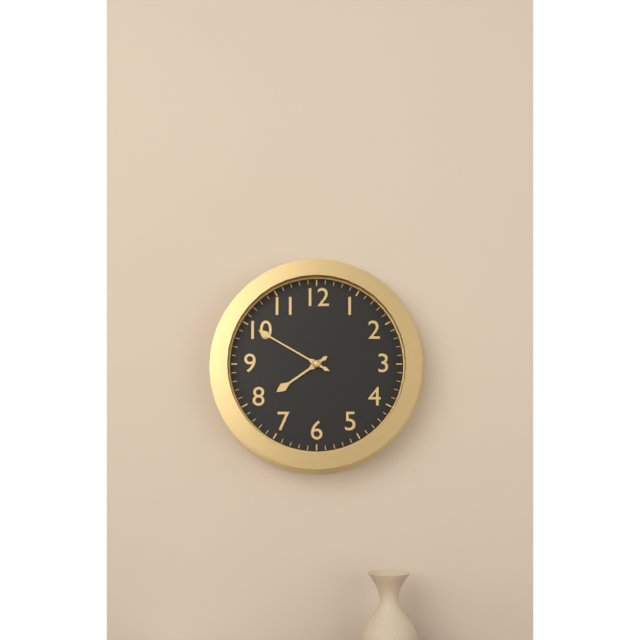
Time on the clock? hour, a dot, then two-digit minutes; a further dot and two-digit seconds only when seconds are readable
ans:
7.50
